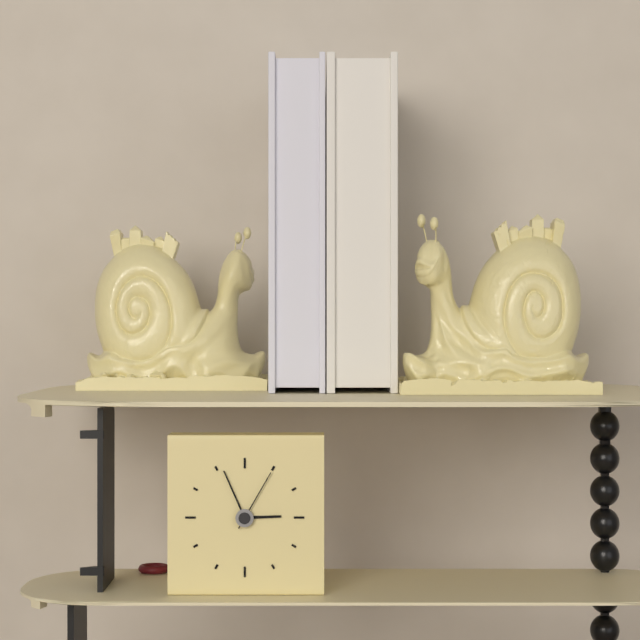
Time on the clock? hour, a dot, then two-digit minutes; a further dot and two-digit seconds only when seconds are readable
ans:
2.56.05
